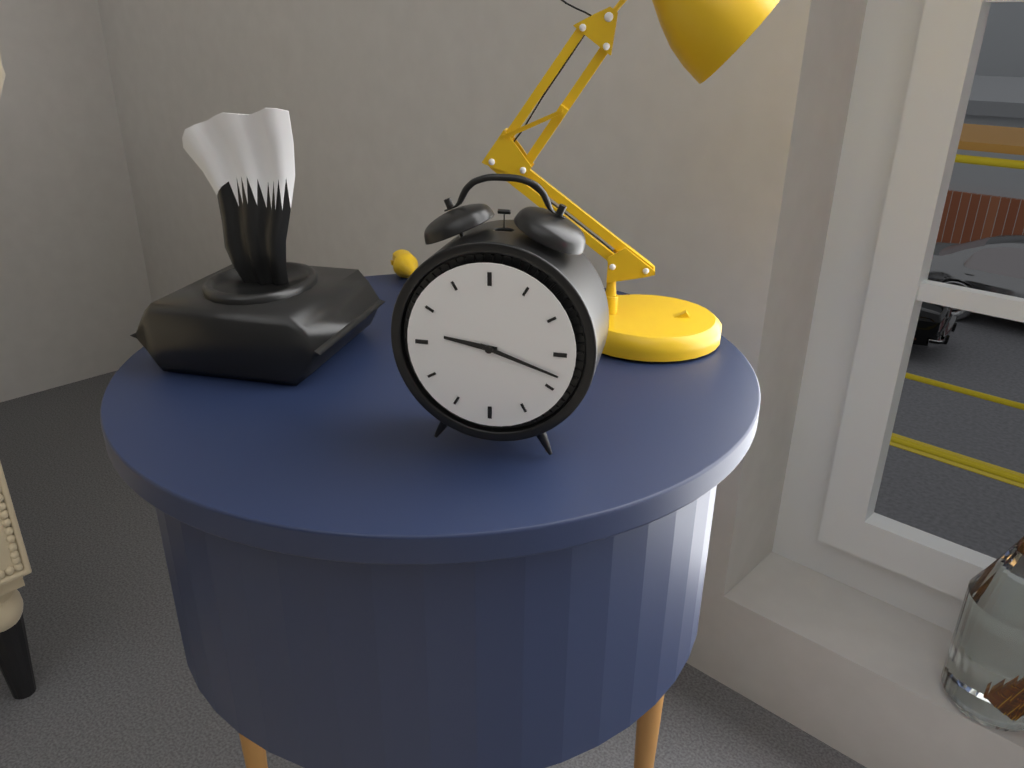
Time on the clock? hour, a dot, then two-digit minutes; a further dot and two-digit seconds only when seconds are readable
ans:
9.18
